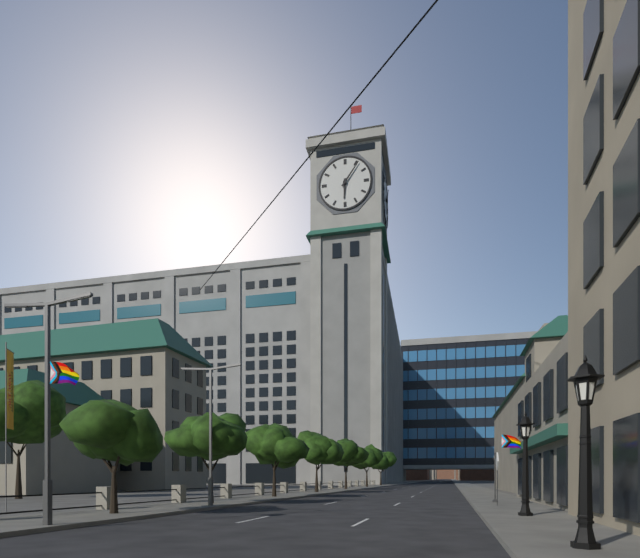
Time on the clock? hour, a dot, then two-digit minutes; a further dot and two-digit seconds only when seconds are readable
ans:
6.06
